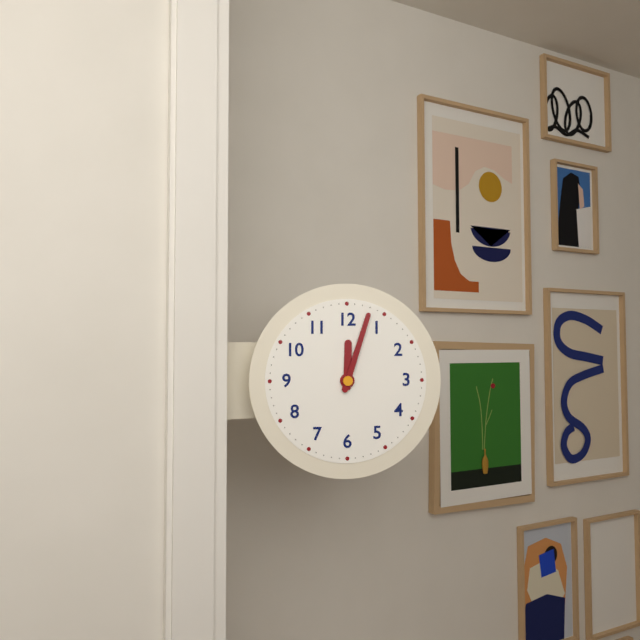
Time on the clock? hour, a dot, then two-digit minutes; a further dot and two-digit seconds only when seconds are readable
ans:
12.03
